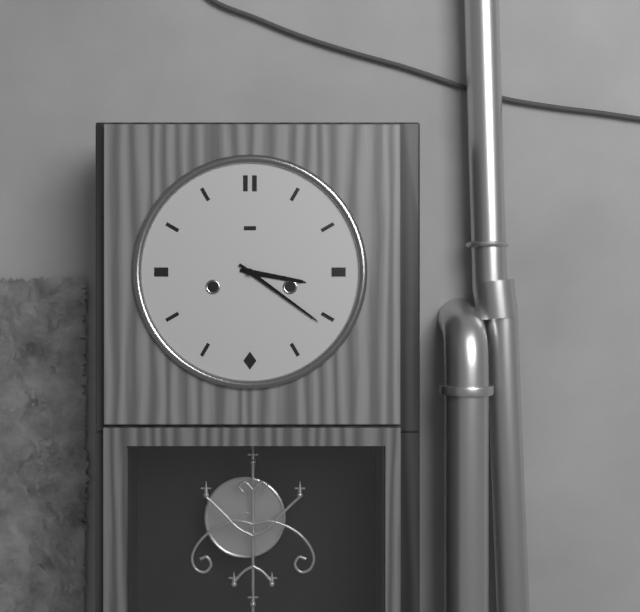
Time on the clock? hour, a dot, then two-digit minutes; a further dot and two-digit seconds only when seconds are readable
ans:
3.21
